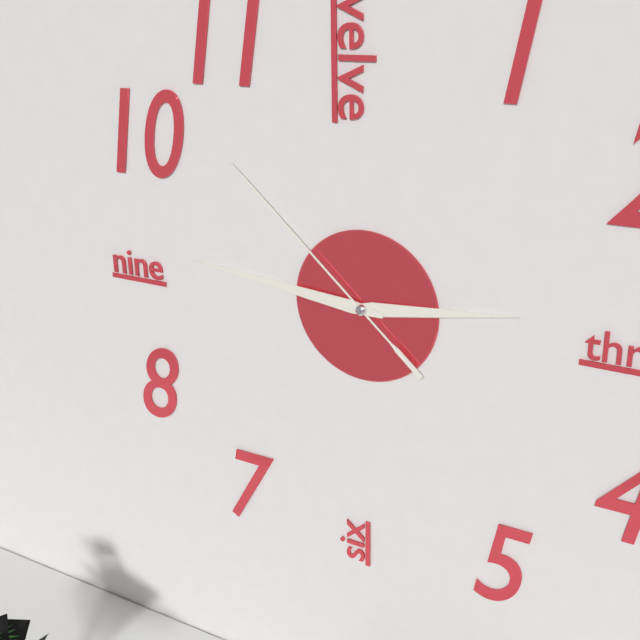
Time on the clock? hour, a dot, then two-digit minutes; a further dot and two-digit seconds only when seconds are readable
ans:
2.46.52
